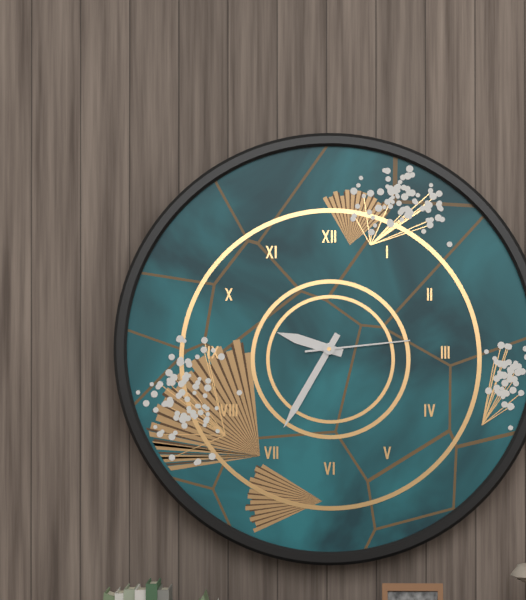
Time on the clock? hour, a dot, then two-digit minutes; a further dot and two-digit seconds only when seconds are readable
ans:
9.35.14
